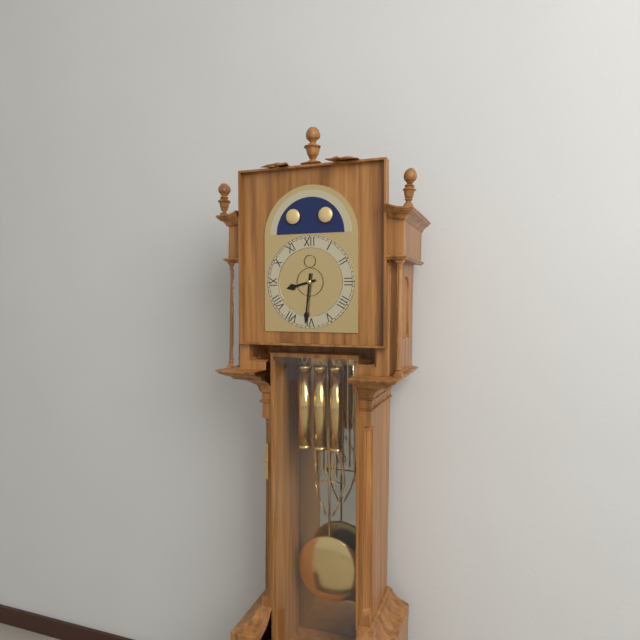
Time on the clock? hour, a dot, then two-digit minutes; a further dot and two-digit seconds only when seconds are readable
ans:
8.31
